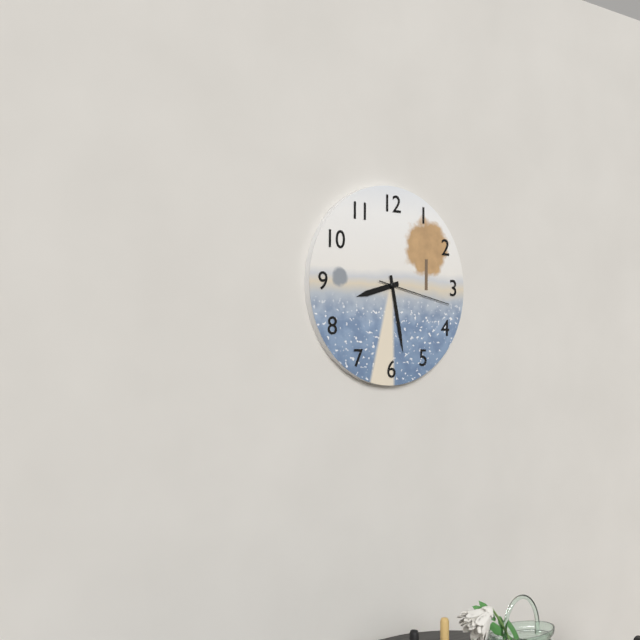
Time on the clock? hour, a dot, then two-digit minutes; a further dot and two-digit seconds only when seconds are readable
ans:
8.28.17
